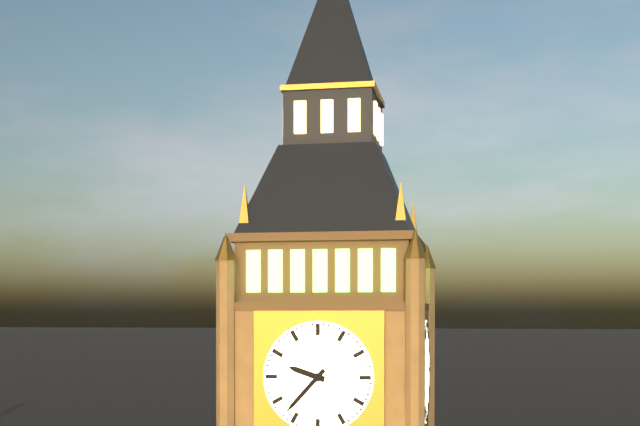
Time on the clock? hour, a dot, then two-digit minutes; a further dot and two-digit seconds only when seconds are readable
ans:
9.37
